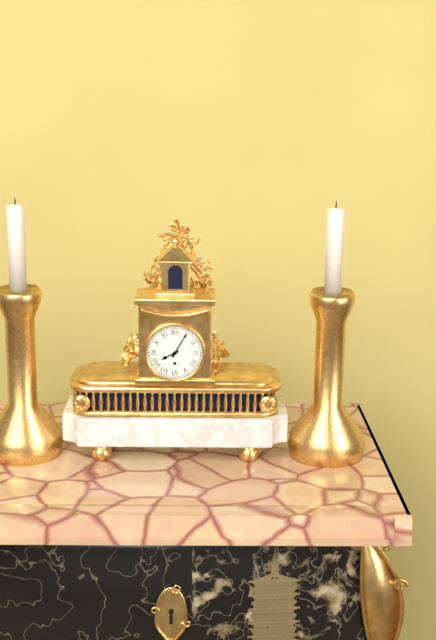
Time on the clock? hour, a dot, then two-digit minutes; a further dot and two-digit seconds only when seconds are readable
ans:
8.05
